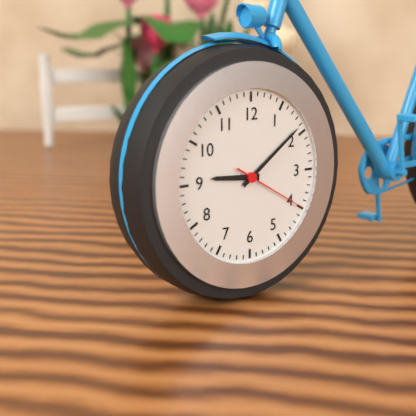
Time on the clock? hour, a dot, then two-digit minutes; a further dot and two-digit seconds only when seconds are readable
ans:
9.09.20
